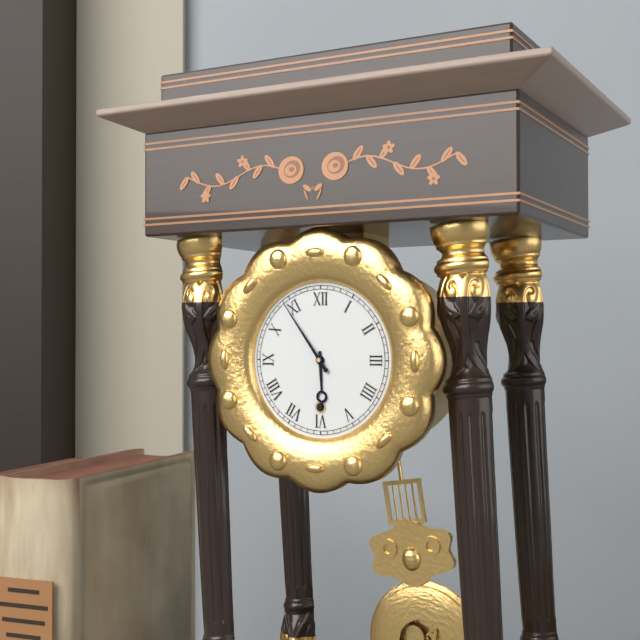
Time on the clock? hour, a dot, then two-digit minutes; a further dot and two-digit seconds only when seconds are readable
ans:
5.54
